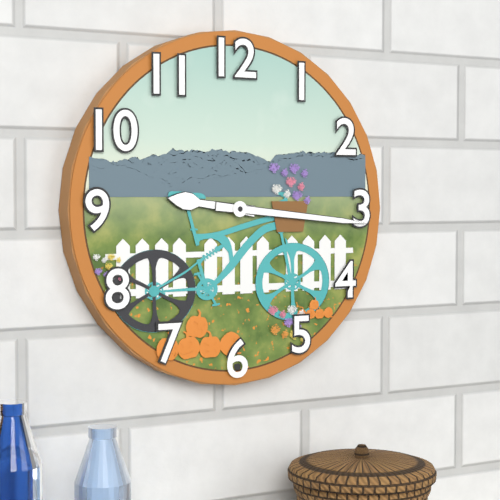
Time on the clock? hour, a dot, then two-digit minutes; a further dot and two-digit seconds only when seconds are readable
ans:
9.16
